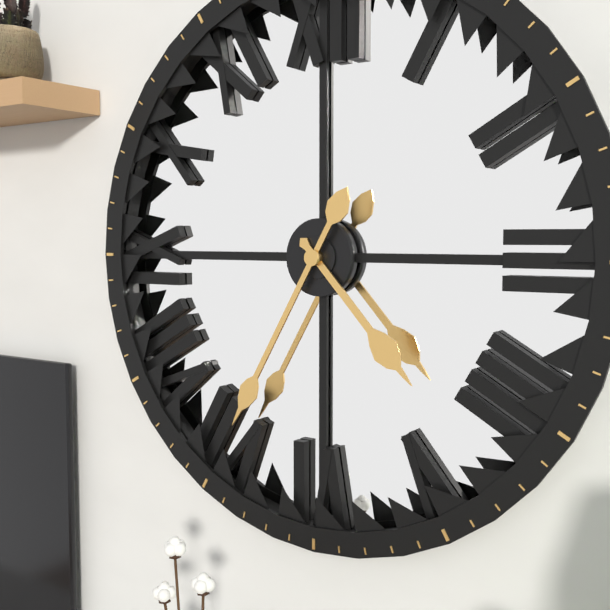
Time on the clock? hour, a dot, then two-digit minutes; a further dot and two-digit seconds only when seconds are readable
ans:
4.35
